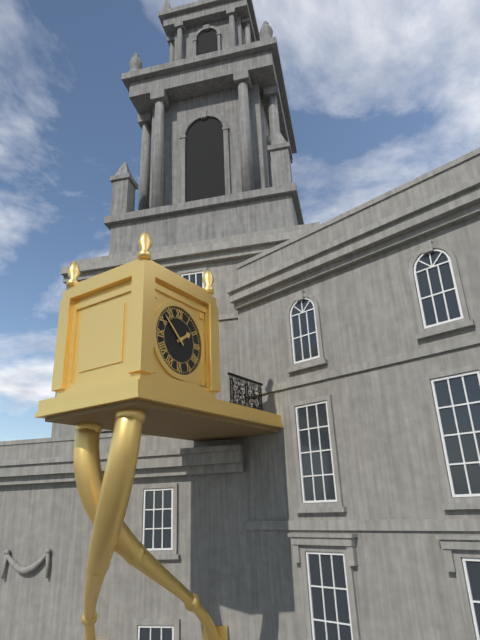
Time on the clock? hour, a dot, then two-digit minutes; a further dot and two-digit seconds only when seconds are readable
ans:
1.52
